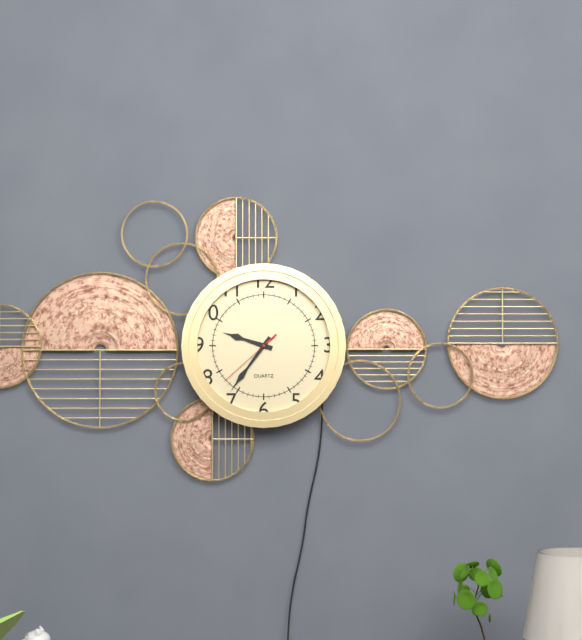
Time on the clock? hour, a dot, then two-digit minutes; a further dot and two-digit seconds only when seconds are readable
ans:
9.36.38
